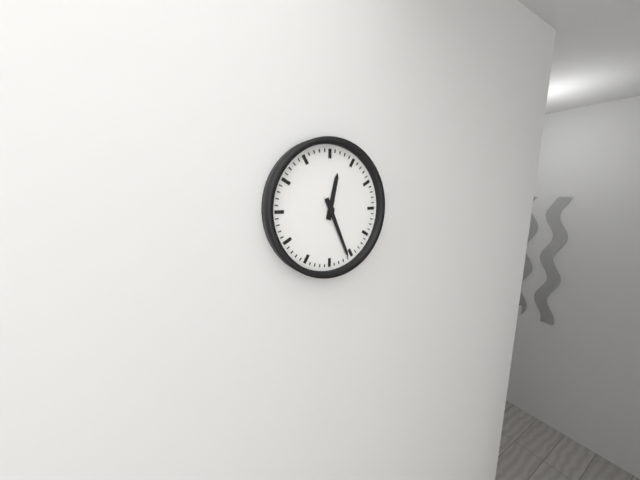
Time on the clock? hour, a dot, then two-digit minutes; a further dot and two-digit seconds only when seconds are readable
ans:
12.26
